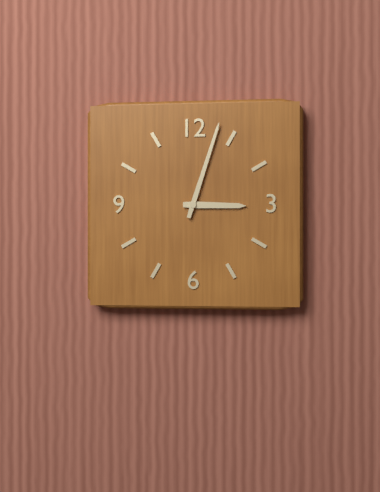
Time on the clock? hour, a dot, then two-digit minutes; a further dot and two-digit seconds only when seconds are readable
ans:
3.03
